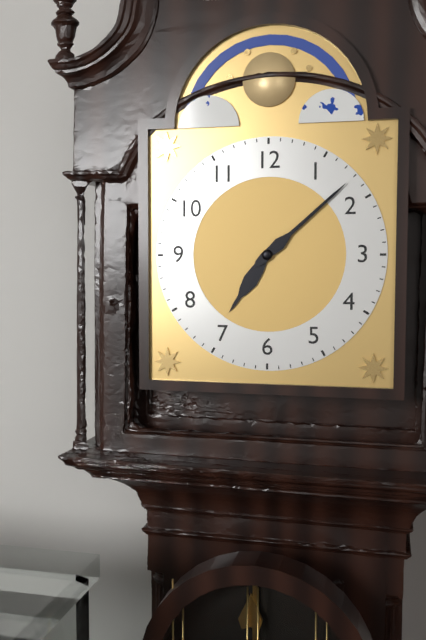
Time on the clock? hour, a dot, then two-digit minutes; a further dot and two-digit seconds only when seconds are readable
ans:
7.08
